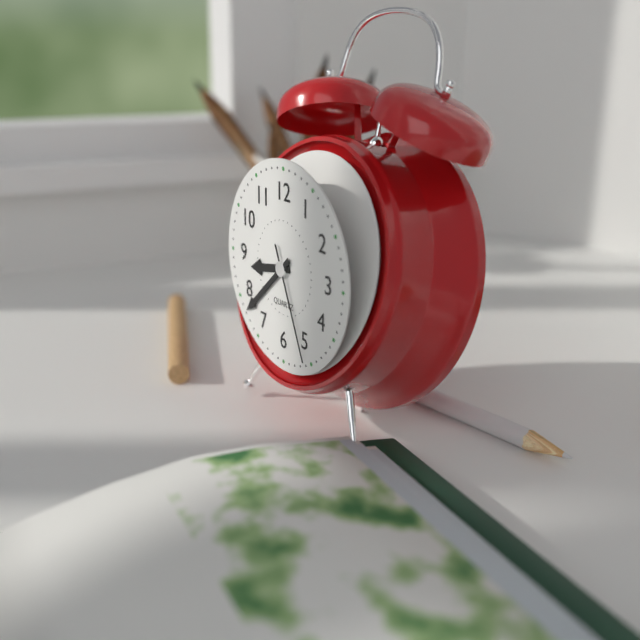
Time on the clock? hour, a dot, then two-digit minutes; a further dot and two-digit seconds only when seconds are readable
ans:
8.38.26
